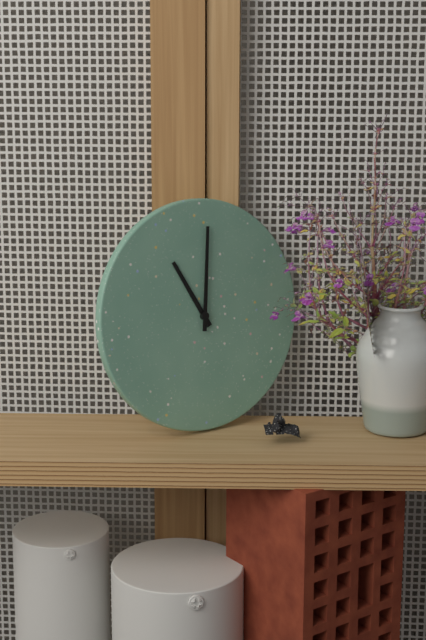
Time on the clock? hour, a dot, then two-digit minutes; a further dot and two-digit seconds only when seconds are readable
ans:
11.01
